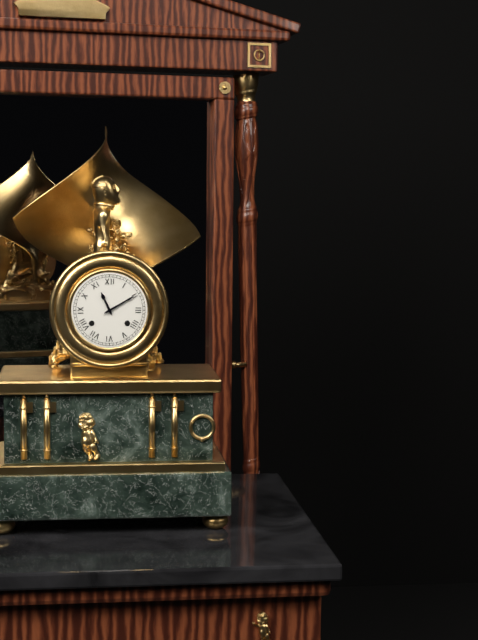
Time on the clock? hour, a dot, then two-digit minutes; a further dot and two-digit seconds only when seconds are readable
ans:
11.10
